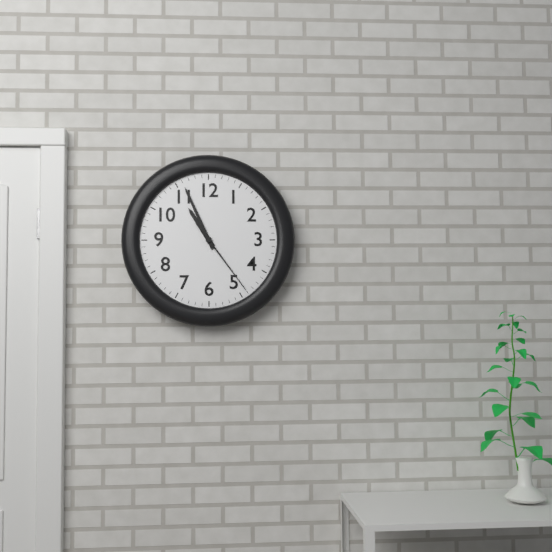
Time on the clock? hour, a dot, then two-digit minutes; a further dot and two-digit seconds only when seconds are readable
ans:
10.56.24
